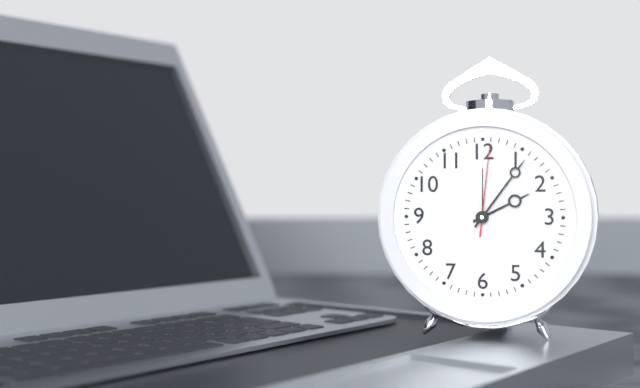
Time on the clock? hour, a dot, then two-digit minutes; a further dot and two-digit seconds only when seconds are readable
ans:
2.06.01
